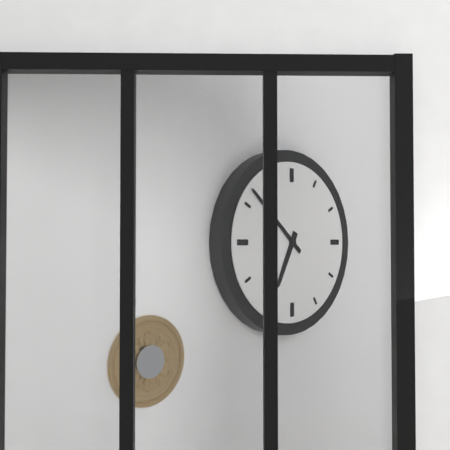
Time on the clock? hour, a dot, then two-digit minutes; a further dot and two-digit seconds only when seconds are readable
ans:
6.52
